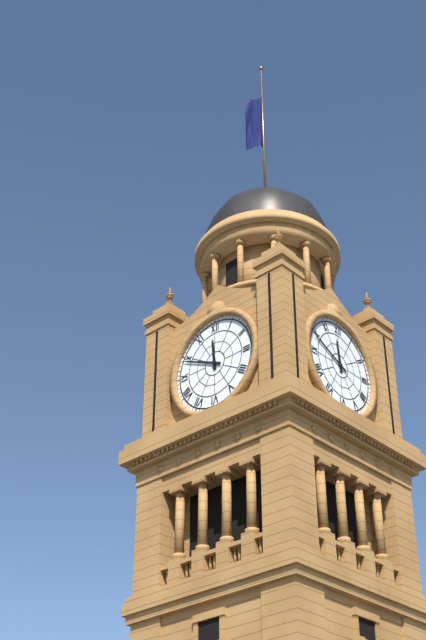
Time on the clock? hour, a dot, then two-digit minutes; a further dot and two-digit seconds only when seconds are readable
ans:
11.49
